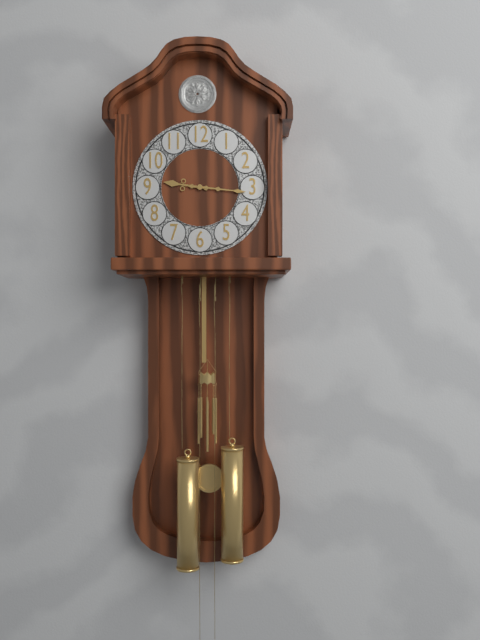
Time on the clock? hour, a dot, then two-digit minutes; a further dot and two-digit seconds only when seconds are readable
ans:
9.16
